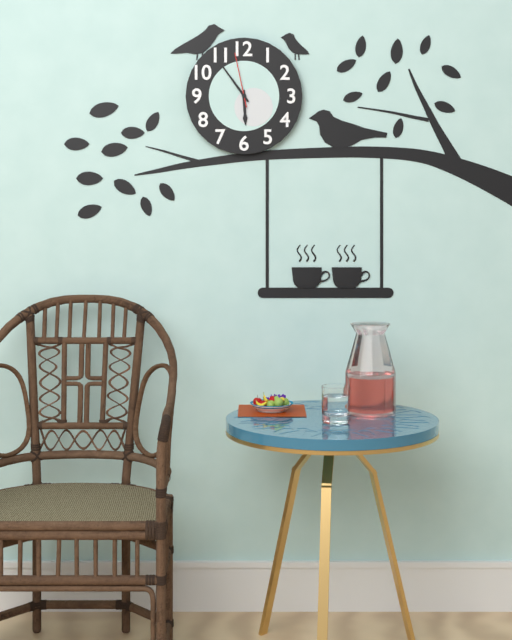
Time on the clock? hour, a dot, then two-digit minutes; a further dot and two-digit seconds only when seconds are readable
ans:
5.54.58
